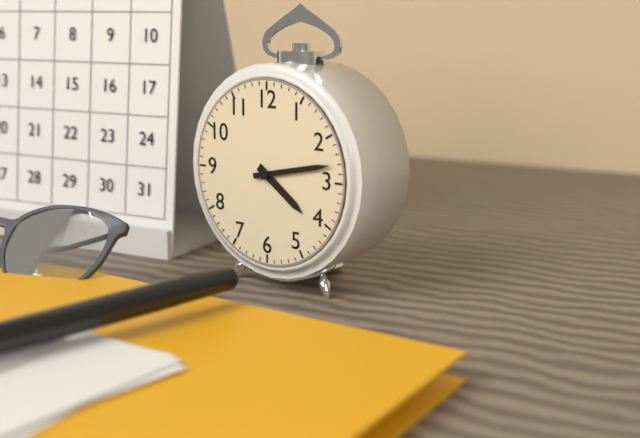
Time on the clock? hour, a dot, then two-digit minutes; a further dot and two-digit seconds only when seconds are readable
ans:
4.13
